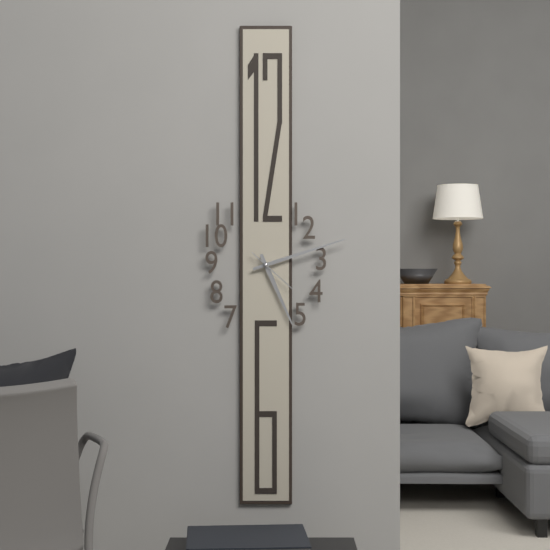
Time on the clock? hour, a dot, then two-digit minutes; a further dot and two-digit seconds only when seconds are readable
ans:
5.12
